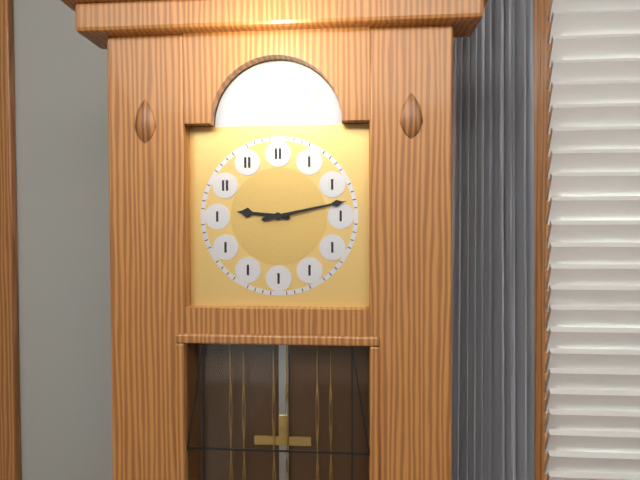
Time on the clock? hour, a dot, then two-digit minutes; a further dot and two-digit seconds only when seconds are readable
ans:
9.13
